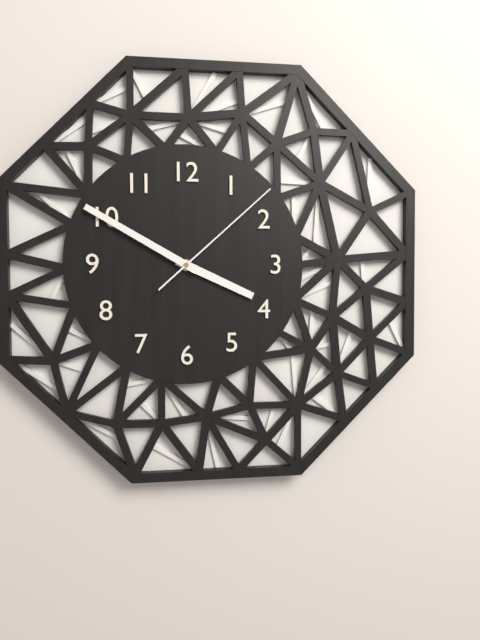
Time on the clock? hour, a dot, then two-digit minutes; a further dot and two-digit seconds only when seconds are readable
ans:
3.50.08
